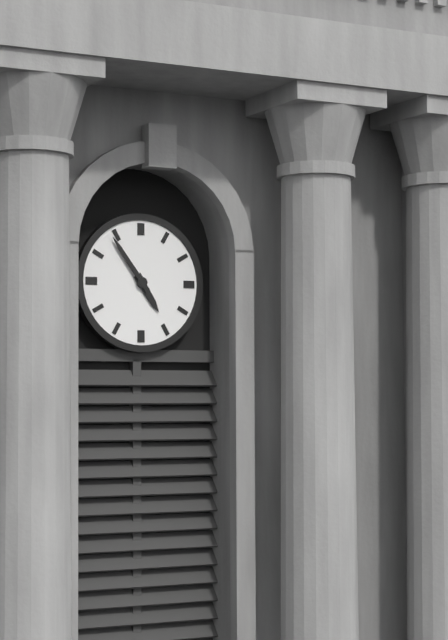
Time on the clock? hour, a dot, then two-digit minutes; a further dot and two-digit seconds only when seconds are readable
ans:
4.54
